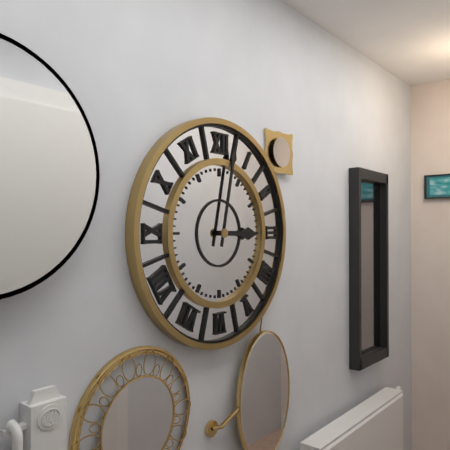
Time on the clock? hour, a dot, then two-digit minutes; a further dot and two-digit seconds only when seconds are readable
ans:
3.02
